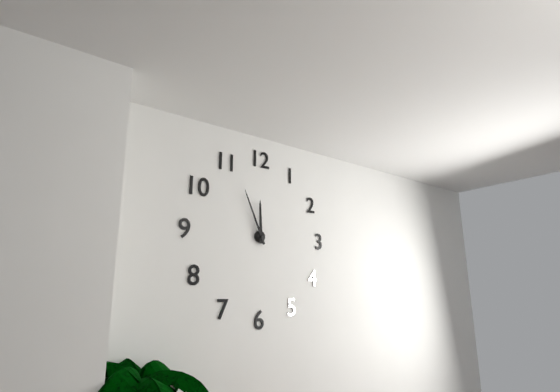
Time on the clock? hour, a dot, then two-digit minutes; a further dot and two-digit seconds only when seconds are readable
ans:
11.56
